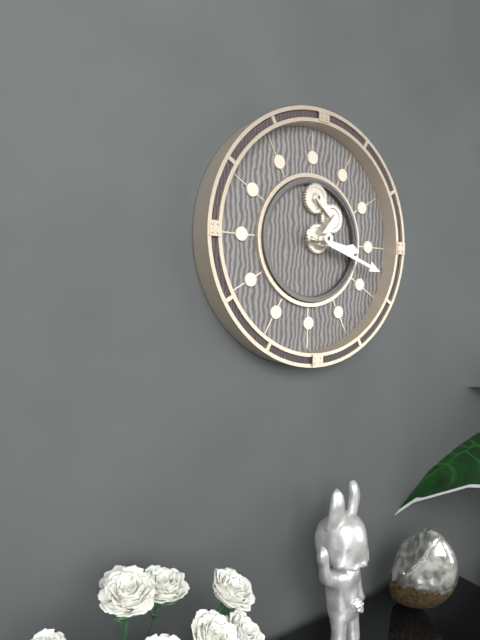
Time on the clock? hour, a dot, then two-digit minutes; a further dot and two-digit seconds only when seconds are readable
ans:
3.18
